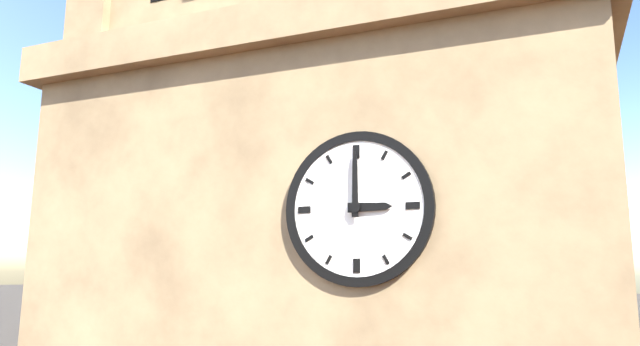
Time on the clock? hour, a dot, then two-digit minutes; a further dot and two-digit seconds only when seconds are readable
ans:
3.00
